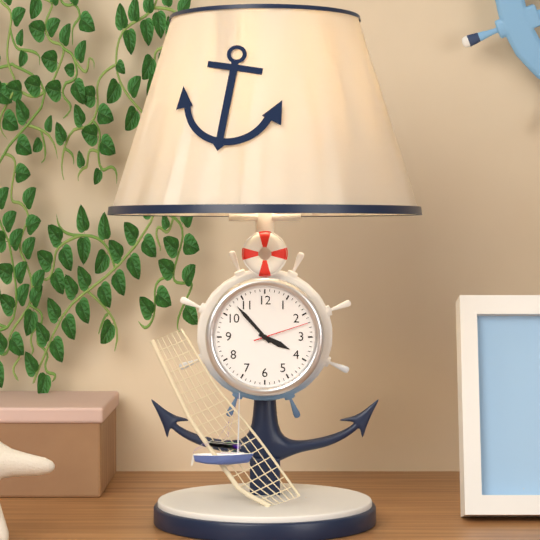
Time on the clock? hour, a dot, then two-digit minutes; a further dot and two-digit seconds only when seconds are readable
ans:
3.53.12
